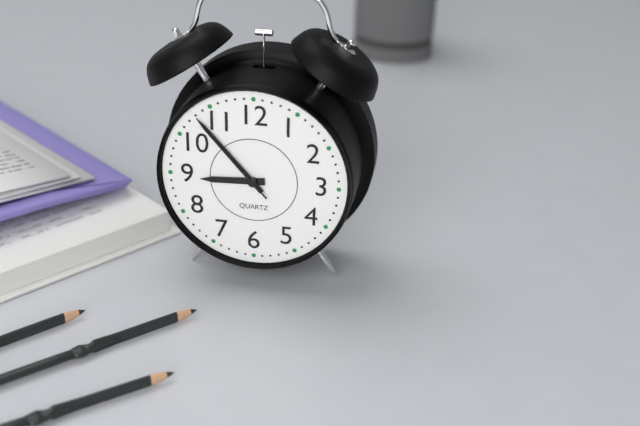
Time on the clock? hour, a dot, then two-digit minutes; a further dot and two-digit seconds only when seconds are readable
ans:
8.53.53
